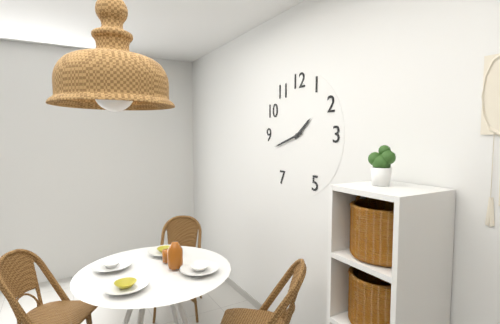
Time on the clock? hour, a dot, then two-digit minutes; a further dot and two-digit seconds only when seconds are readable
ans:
1.42
